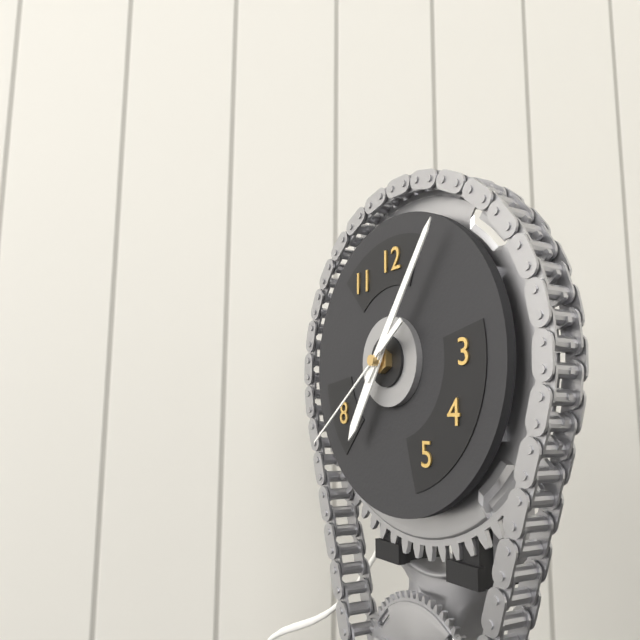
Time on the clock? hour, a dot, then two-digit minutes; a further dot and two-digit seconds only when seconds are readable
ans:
7.06.39
